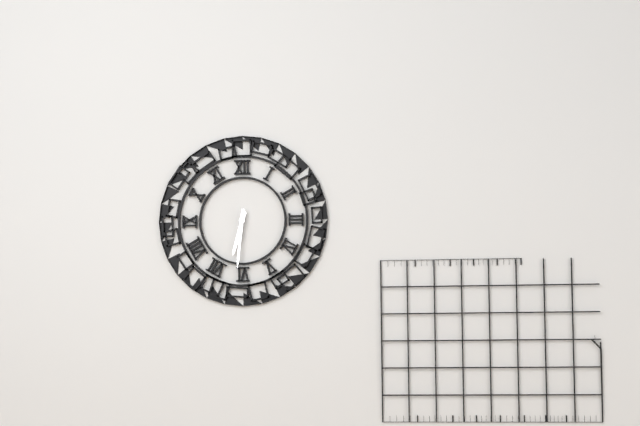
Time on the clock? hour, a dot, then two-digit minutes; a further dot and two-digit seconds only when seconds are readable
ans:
6.31
